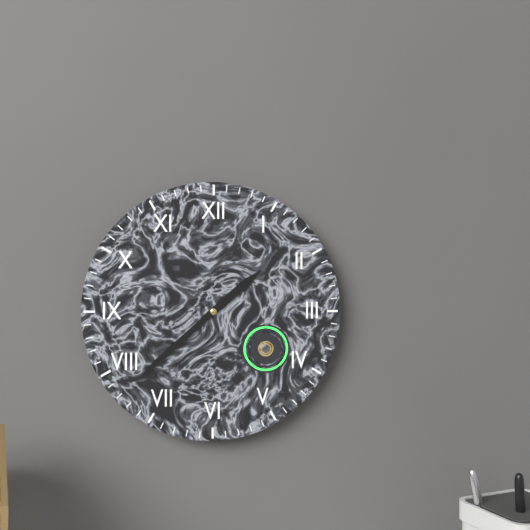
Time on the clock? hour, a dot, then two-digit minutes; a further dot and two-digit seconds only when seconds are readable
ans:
1.38
